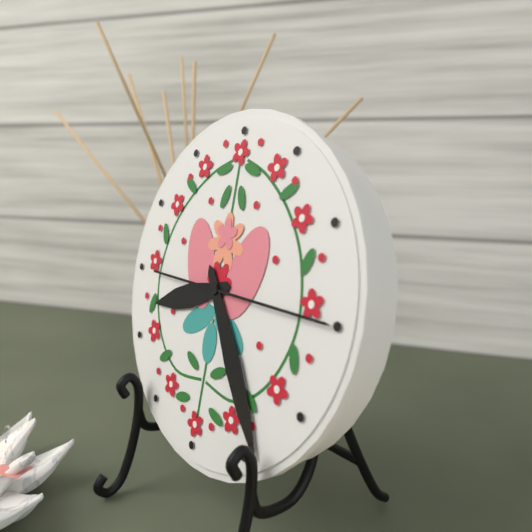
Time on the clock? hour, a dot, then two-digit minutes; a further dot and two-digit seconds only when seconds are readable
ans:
8.24.15
